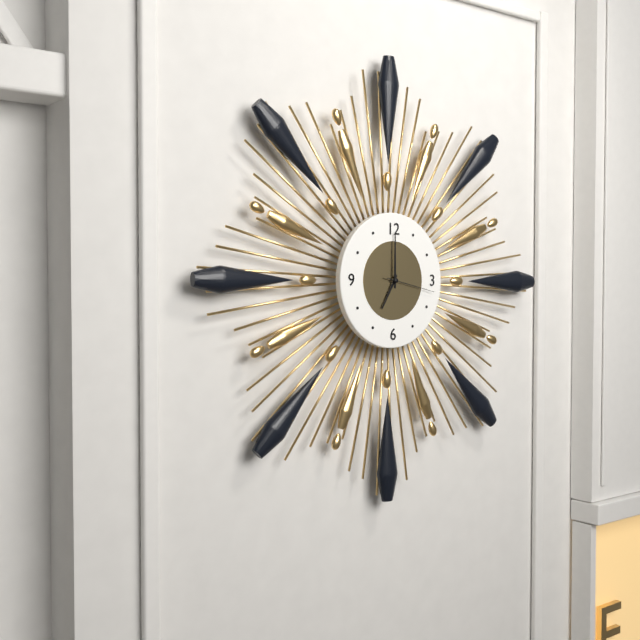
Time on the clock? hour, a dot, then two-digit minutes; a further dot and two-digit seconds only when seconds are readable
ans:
7.00.17
